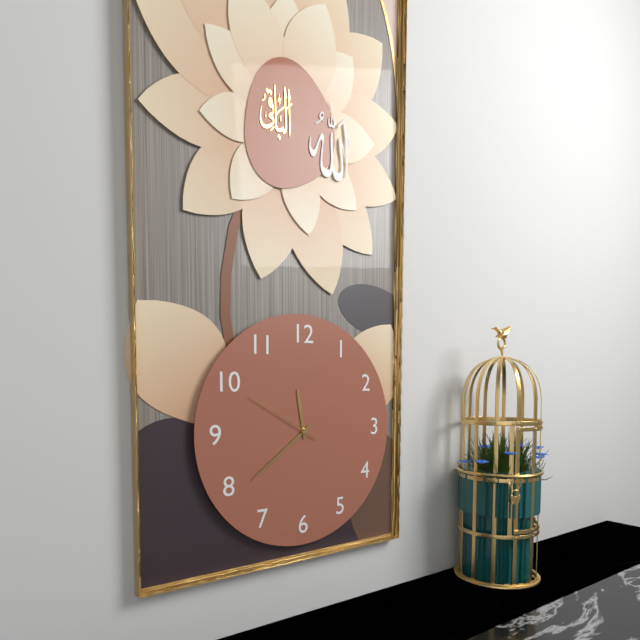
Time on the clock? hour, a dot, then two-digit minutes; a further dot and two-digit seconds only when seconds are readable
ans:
11.39.50
